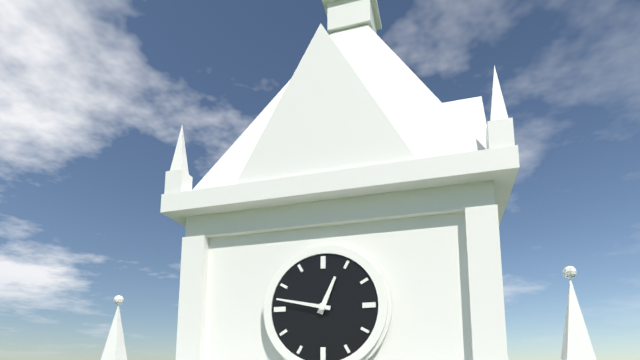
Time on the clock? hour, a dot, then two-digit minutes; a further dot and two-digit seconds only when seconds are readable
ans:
12.47
